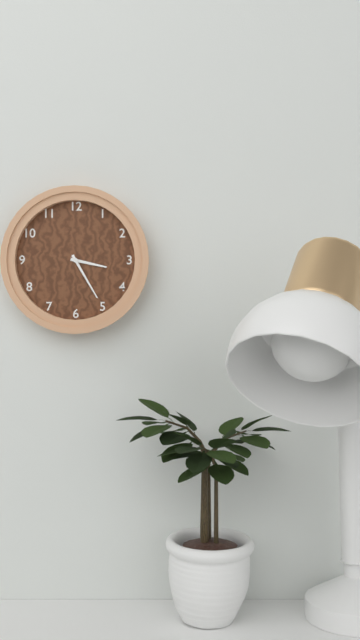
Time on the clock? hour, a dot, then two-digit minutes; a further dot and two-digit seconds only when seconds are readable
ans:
3.25
